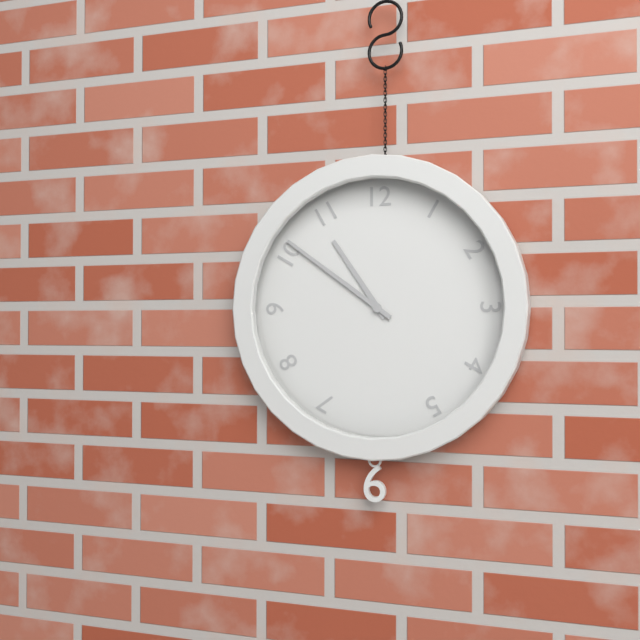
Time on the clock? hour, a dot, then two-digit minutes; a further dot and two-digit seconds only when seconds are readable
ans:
10.51
